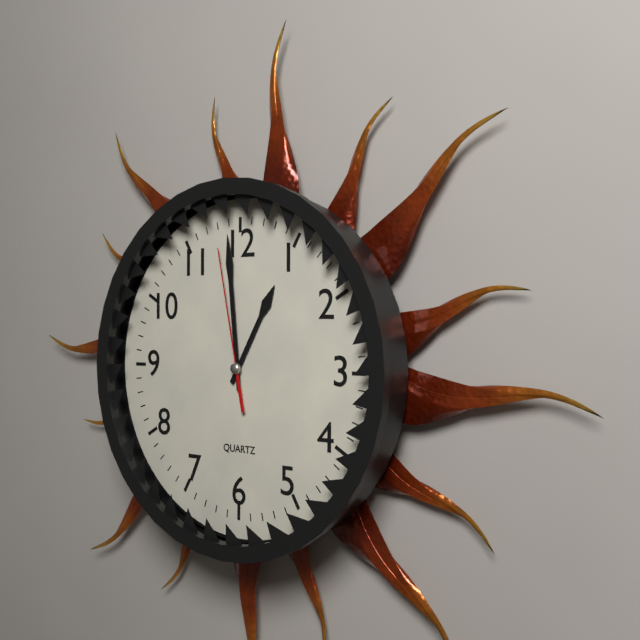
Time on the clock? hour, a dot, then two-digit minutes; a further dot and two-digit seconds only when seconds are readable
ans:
12.59.58
